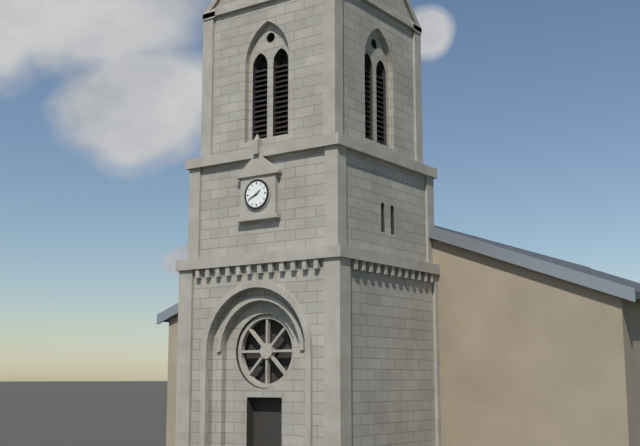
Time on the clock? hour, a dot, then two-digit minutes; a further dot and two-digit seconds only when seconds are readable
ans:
1.41
